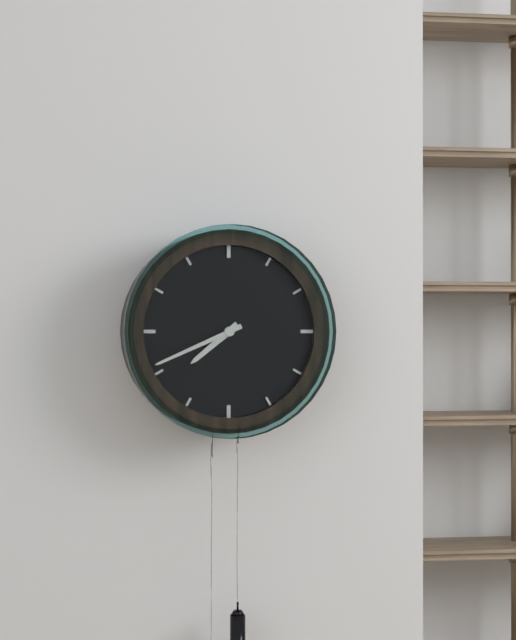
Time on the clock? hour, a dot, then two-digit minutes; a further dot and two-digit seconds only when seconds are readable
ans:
7.41
